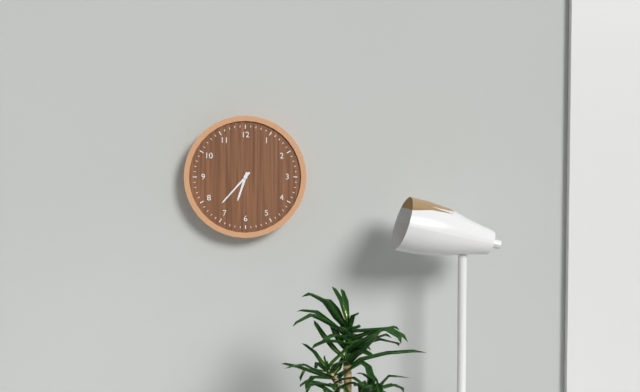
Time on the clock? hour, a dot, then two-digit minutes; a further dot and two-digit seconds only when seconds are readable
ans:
6.37
